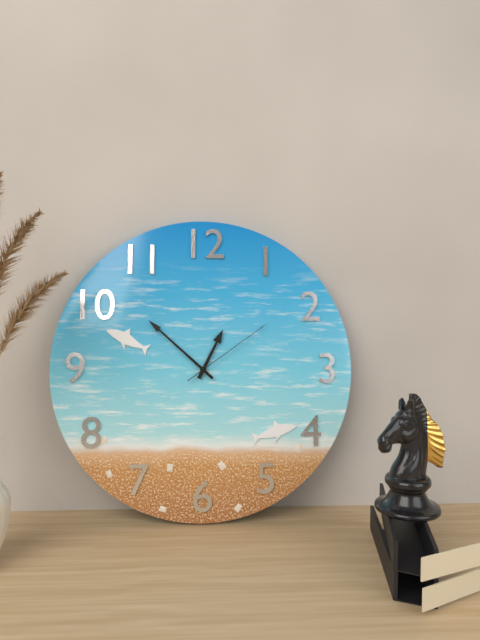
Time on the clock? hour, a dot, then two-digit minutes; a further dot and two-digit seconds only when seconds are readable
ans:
12.52.09
